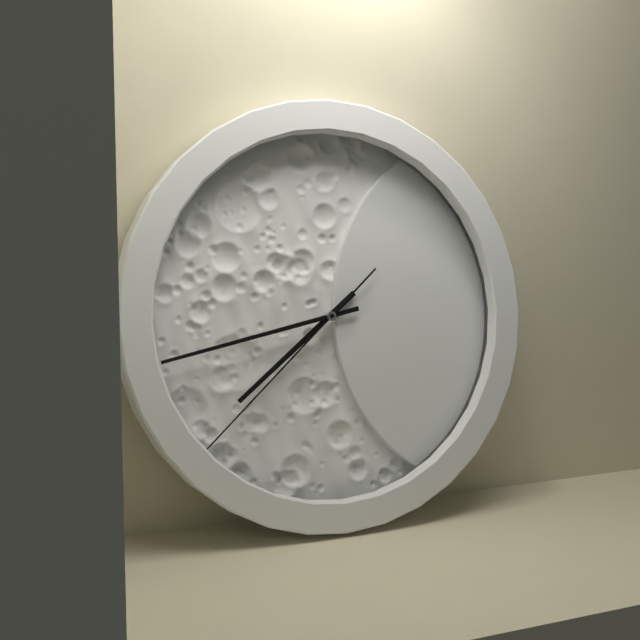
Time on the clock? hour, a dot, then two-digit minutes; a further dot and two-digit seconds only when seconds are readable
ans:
7.43.38
